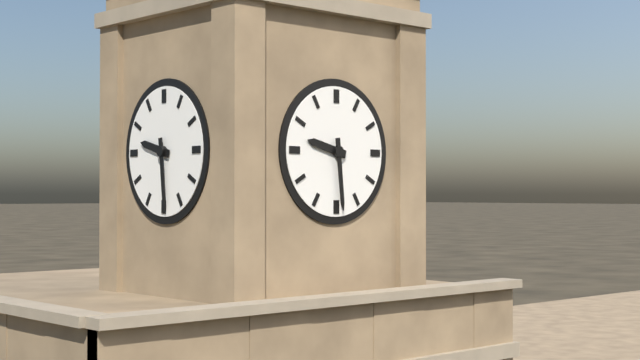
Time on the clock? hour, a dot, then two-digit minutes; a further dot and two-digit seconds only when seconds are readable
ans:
9.29
